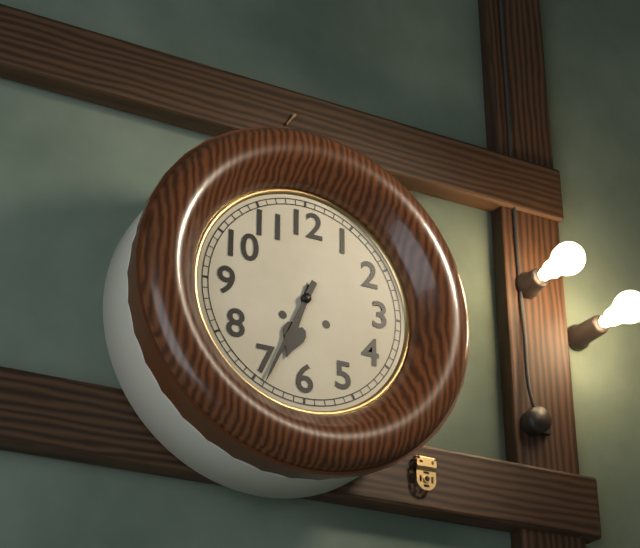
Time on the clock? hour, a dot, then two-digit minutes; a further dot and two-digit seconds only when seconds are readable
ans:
6.34
